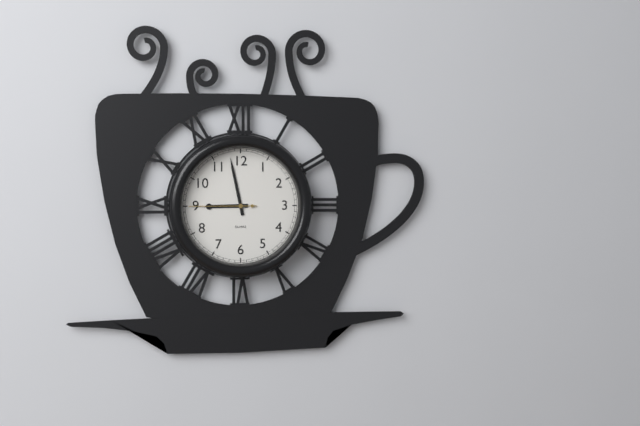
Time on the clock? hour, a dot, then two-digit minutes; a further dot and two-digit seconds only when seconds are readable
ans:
8.58.45
